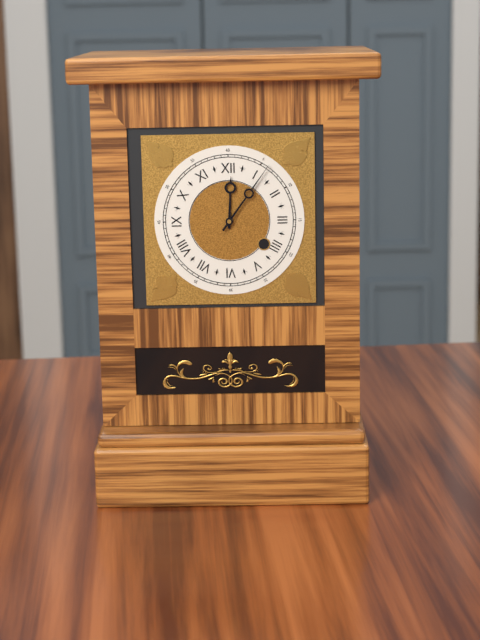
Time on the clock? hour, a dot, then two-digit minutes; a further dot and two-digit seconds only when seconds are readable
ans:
12.06
